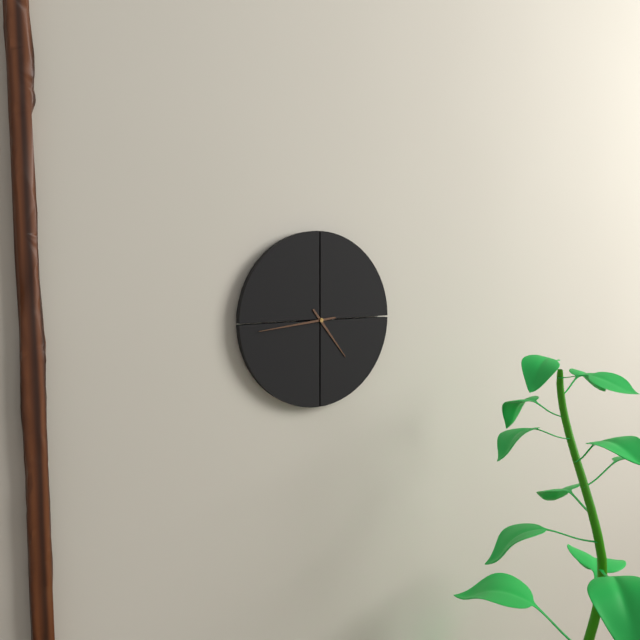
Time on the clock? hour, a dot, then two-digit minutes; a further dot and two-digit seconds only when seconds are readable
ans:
4.44
